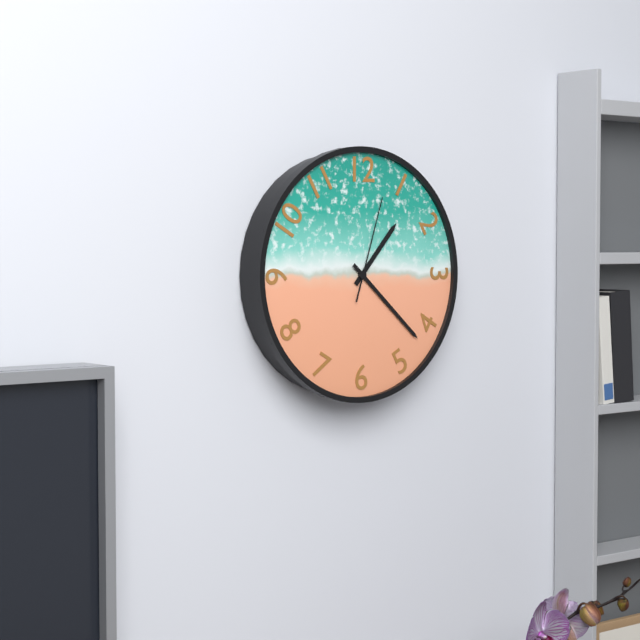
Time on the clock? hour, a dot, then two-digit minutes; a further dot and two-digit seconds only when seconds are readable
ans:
1.22.03
